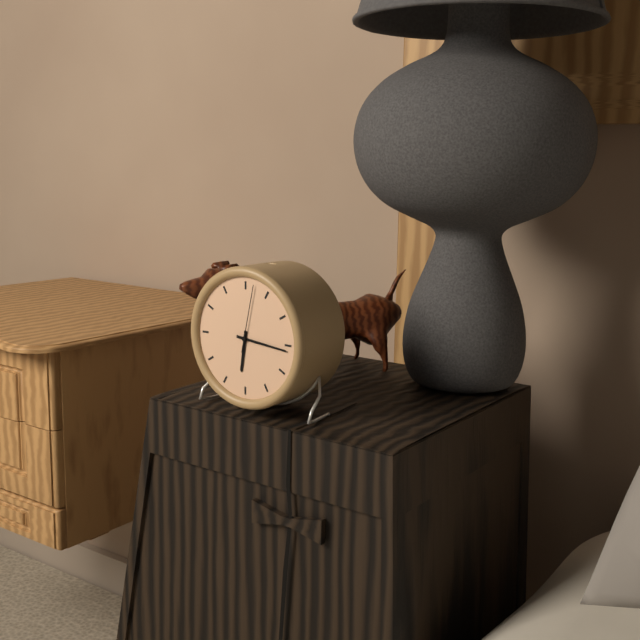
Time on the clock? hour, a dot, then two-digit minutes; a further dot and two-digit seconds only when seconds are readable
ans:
6.16.02
